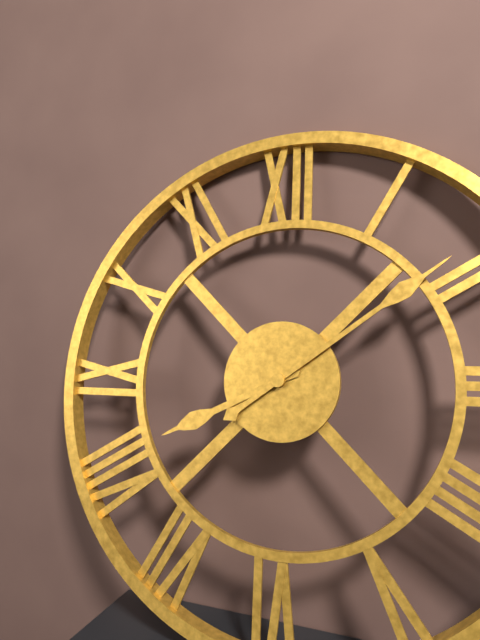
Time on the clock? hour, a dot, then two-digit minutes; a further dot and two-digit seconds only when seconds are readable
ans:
8.09
